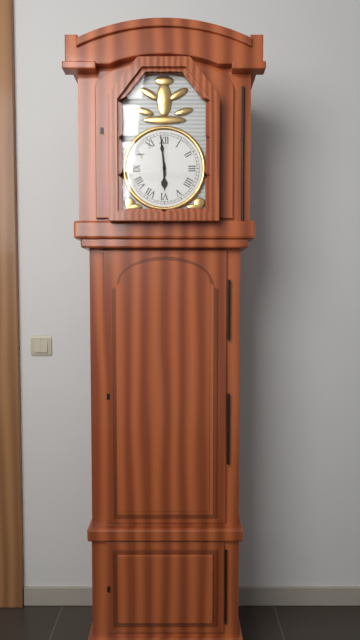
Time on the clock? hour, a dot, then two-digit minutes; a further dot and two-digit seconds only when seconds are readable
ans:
5.59
